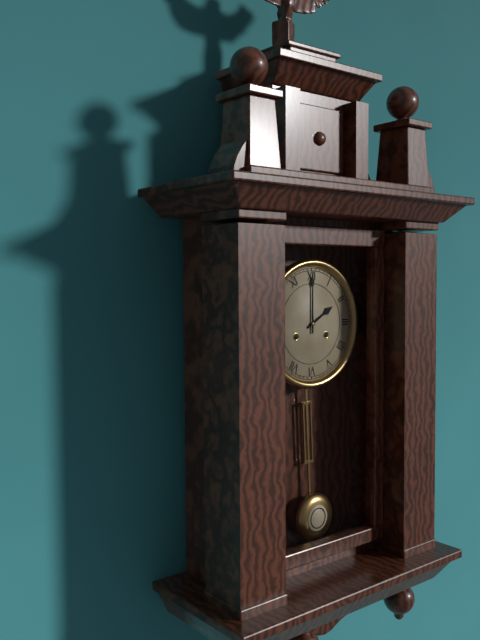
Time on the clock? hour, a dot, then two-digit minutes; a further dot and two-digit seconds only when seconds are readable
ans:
2.00
